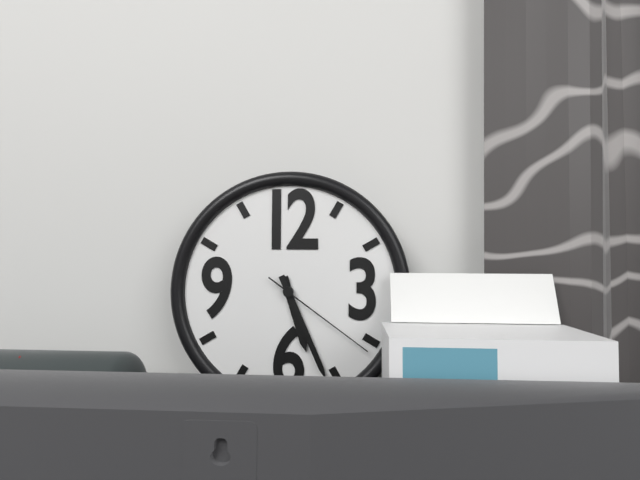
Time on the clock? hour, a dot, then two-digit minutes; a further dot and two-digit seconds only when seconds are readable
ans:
5.26.21
